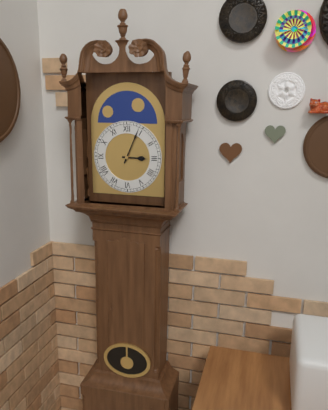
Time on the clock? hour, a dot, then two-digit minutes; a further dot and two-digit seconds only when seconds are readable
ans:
3.04
